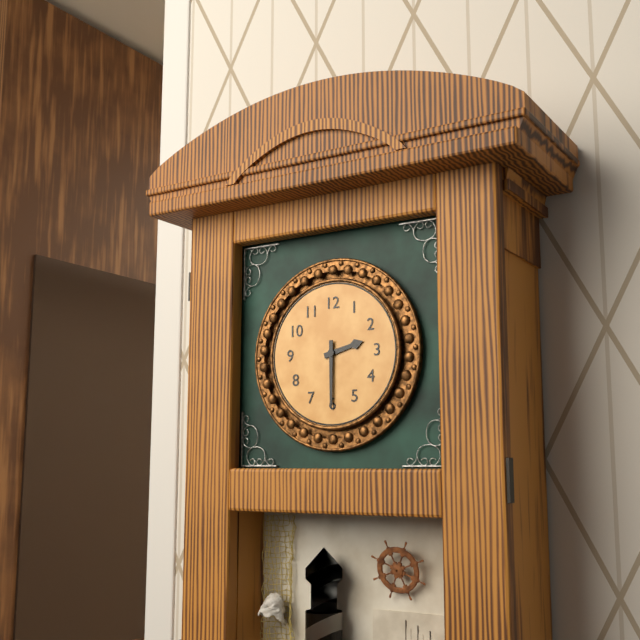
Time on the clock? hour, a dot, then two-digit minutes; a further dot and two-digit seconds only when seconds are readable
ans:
2.30
